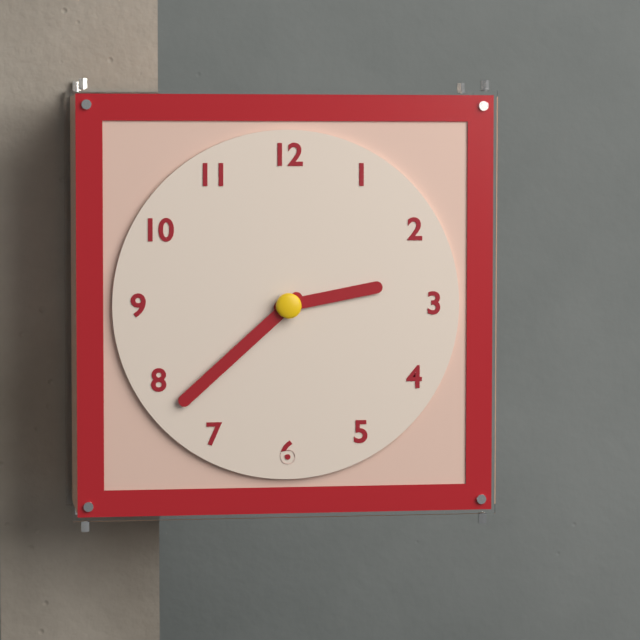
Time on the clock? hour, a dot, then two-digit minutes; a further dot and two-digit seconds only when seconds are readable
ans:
2.38
